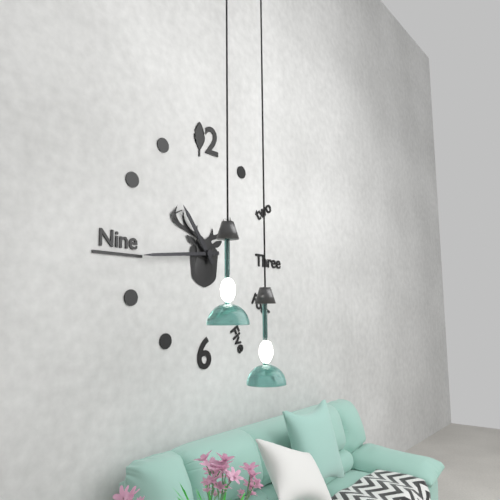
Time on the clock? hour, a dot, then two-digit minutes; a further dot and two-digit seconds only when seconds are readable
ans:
10.44
